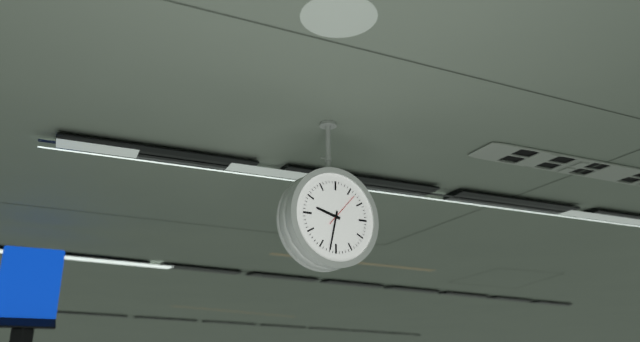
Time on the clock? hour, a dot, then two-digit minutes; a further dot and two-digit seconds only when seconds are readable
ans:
9.32
